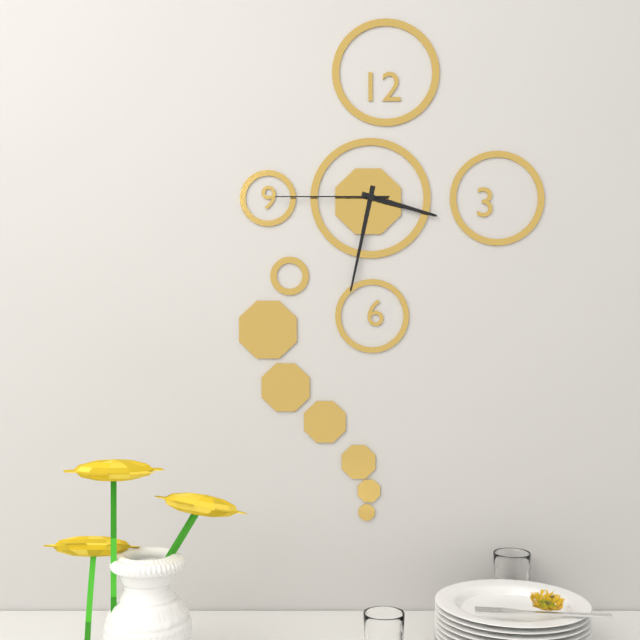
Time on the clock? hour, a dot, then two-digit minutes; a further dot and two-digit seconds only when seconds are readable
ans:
3.32.45
